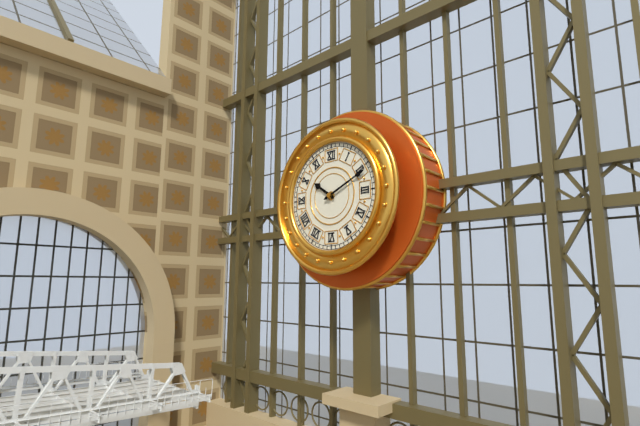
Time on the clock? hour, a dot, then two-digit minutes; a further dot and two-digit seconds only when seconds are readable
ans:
10.11
